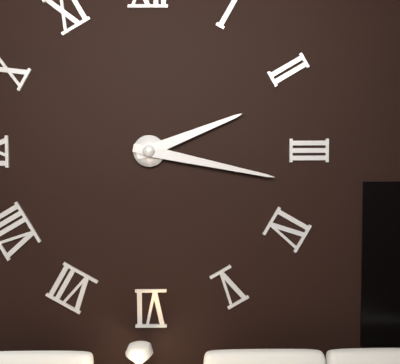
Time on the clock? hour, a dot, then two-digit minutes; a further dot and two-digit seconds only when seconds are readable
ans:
2.17
